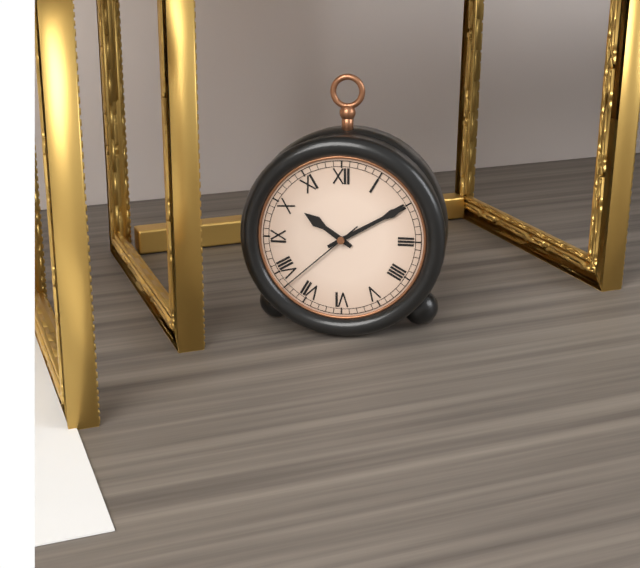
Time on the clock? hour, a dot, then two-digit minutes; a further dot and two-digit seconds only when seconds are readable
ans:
10.10.38
